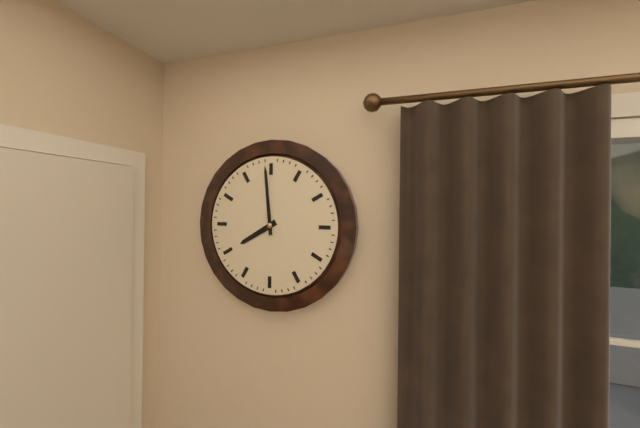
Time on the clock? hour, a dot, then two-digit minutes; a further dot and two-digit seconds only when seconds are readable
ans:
7.59
